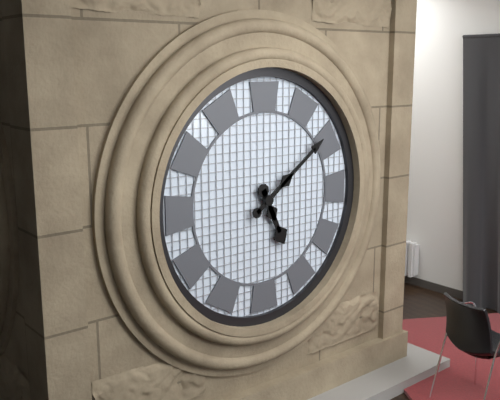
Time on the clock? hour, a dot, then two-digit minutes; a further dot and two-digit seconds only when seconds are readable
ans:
5.09
